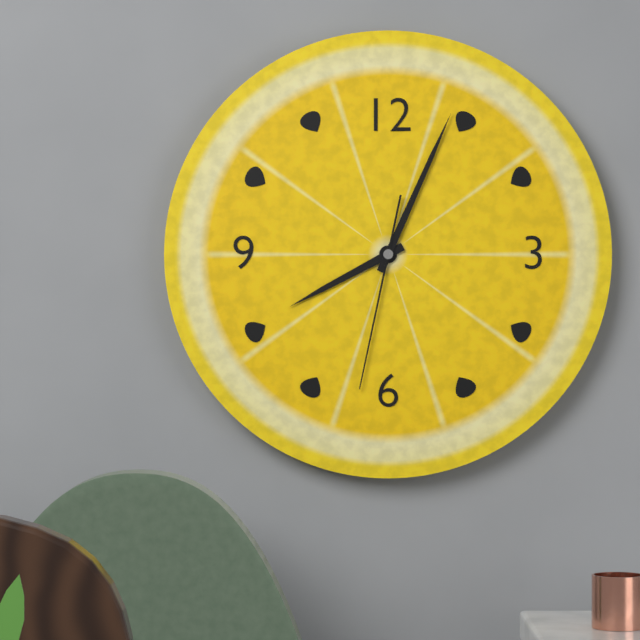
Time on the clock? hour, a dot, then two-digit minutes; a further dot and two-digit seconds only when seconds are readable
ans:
8.04.32
